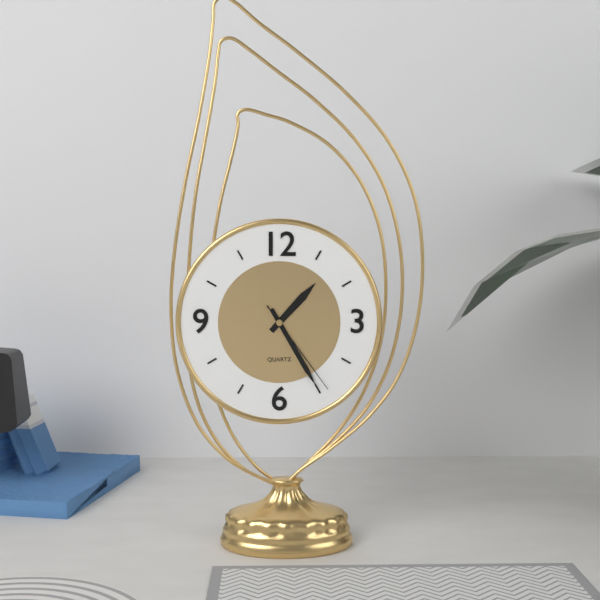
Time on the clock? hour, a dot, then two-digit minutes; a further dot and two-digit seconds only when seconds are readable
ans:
1.25.24
